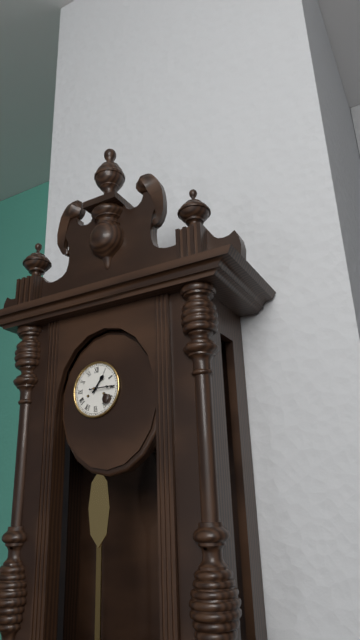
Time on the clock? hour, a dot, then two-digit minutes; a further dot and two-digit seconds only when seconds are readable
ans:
1.15
